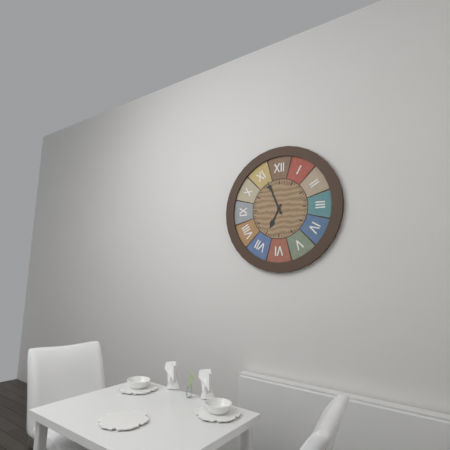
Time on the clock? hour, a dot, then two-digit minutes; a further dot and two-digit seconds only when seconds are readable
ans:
6.56
